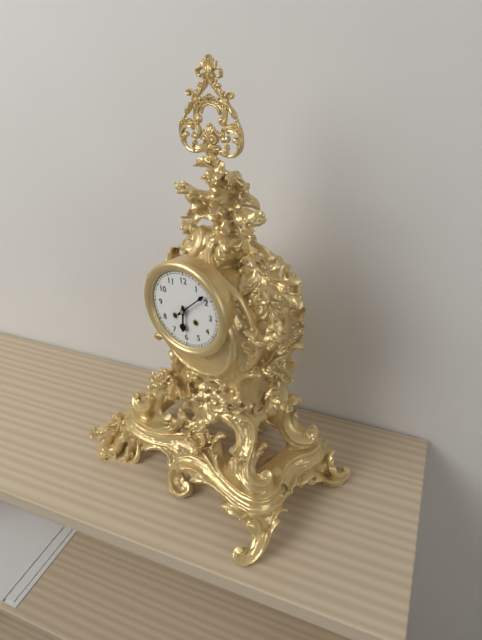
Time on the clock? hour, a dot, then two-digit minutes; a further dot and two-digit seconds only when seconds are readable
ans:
6.08
